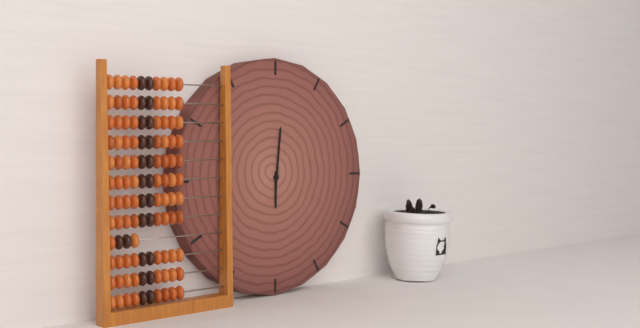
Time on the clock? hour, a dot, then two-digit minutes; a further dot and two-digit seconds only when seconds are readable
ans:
6.01
